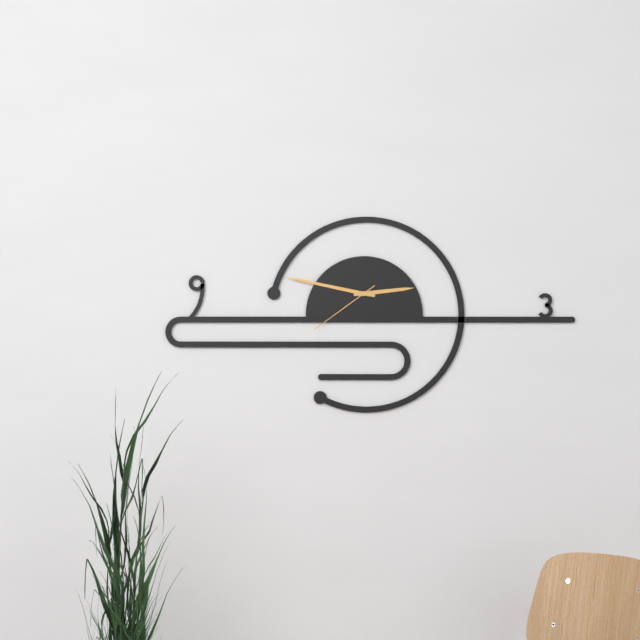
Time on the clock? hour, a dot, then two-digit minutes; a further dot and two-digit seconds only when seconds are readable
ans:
2.47.39
